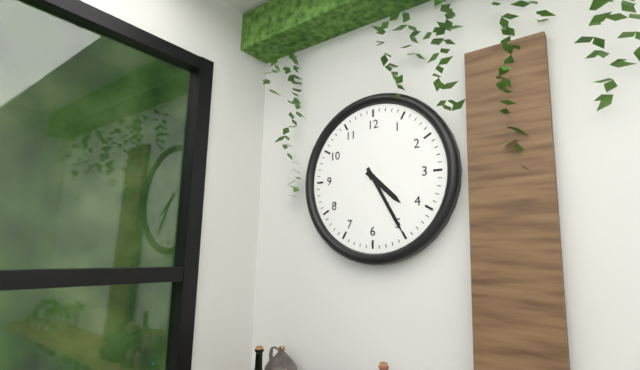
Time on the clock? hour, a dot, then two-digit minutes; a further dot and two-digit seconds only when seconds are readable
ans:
4.25
